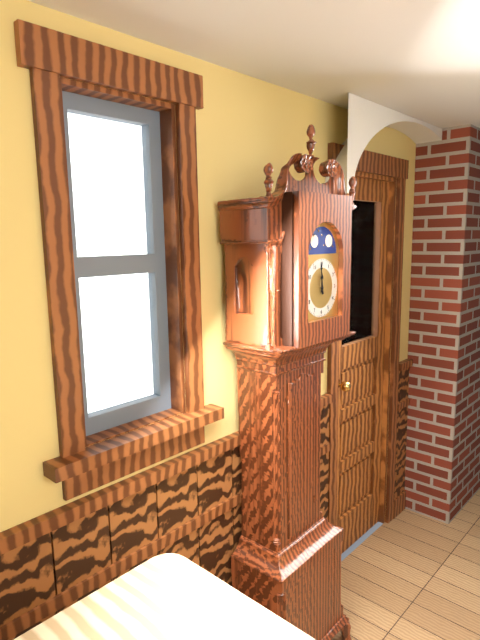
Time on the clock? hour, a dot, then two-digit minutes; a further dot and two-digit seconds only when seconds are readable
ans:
11.59
